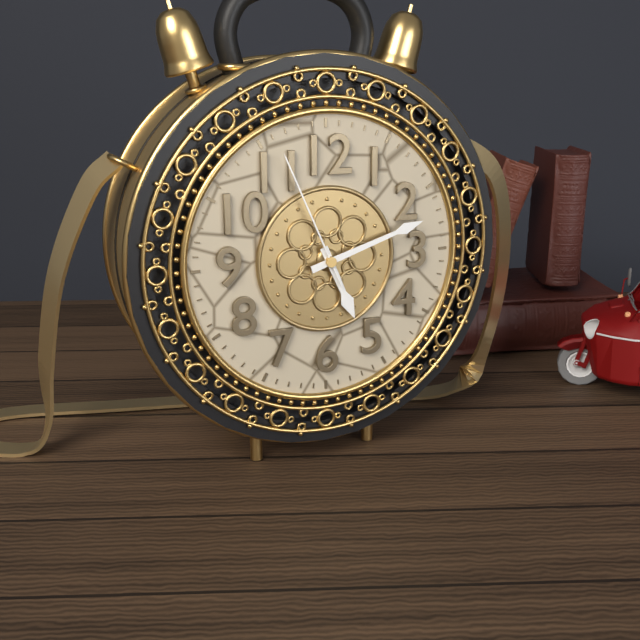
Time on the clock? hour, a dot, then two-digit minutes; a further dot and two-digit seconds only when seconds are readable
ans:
5.12.56
